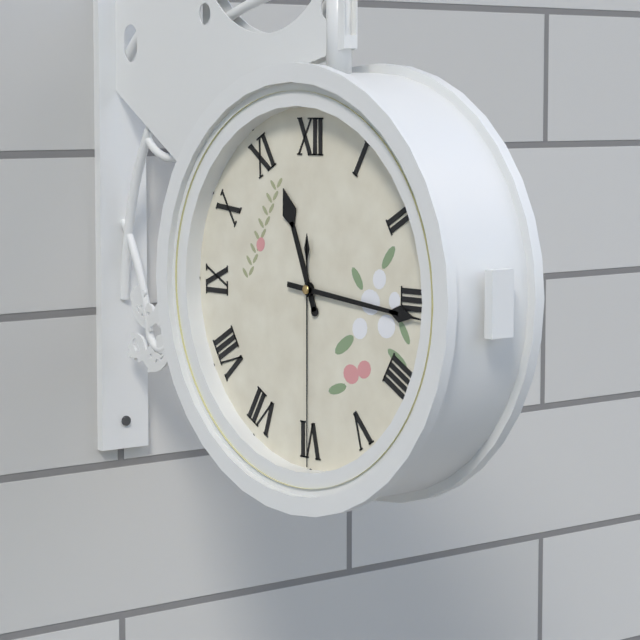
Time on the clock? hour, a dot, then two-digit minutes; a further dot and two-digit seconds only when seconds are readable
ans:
11.16.30
